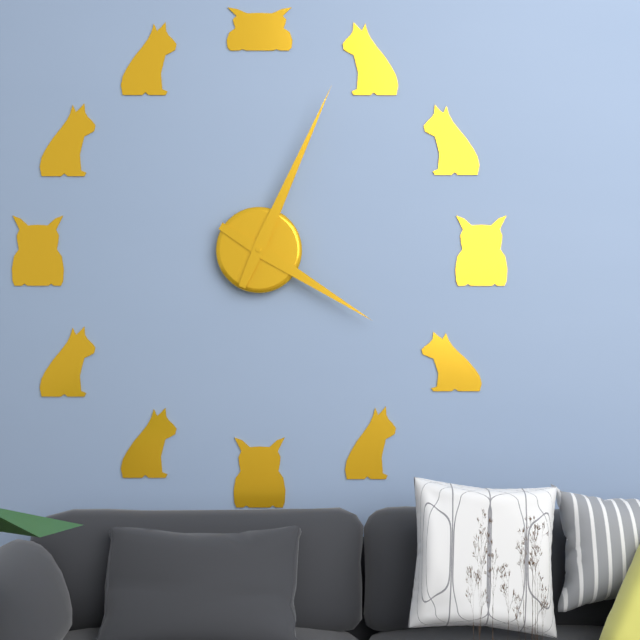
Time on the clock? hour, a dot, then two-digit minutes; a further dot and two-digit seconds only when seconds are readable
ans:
4.04
